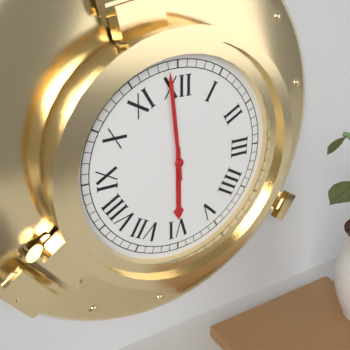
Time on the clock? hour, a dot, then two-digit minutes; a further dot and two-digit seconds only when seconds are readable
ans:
5.59
